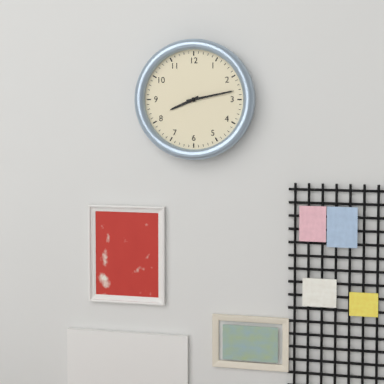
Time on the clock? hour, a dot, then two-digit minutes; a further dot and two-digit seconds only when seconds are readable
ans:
8.13
